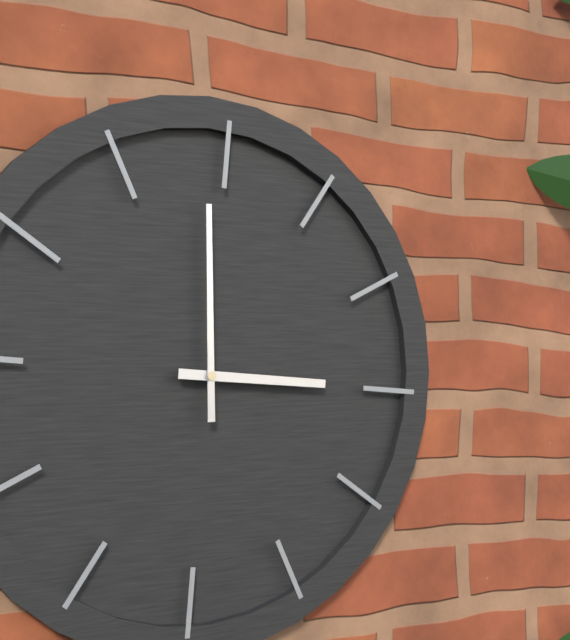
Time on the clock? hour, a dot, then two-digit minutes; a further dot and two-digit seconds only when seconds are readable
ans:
2.59
